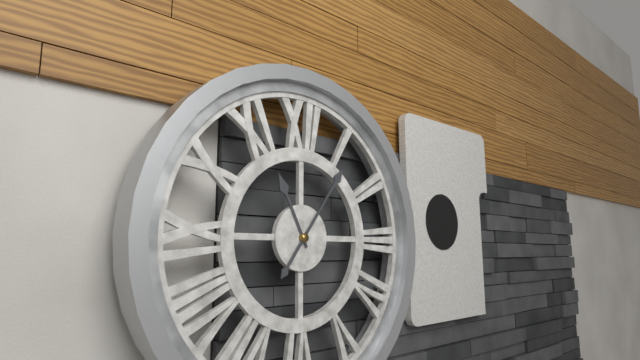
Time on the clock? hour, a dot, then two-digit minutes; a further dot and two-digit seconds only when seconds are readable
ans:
11.06
